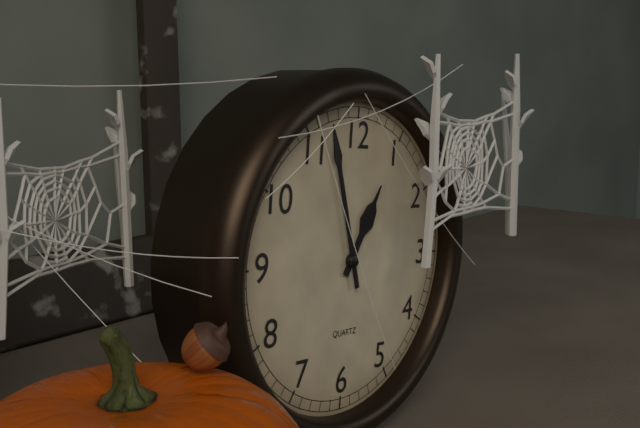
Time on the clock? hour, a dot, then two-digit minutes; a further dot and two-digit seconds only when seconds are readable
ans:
12.57
